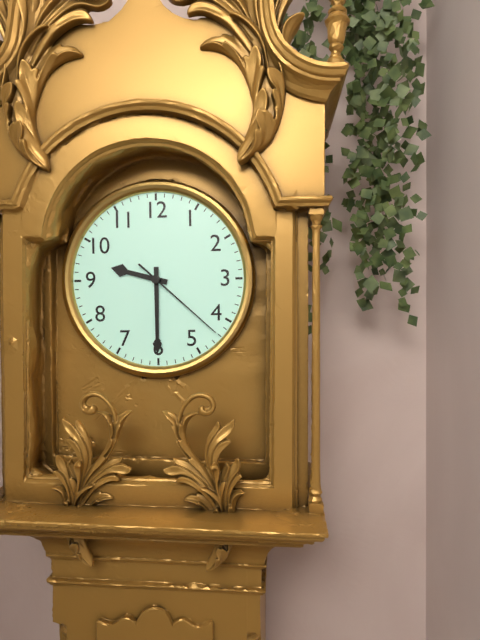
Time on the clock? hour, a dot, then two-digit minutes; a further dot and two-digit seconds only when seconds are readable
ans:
9.30.22
